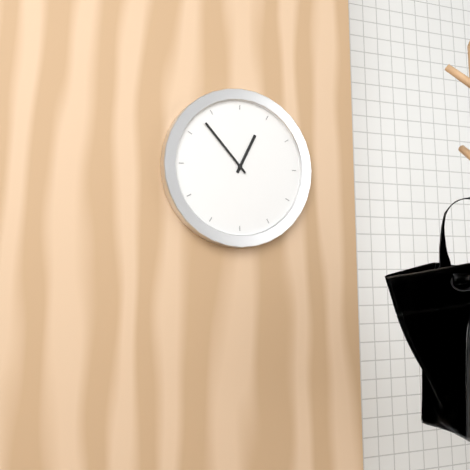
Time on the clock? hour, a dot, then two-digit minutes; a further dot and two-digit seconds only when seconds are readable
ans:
12.53
